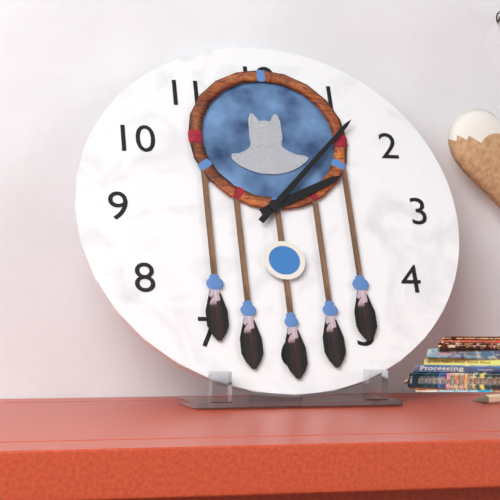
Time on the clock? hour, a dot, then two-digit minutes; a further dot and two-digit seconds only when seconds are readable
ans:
2.07
